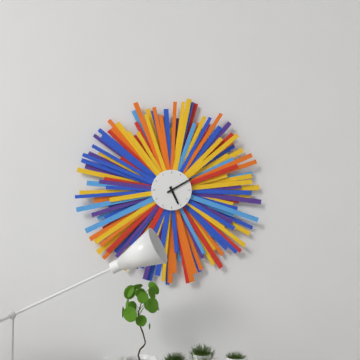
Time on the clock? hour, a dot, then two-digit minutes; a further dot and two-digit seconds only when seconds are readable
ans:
5.10
